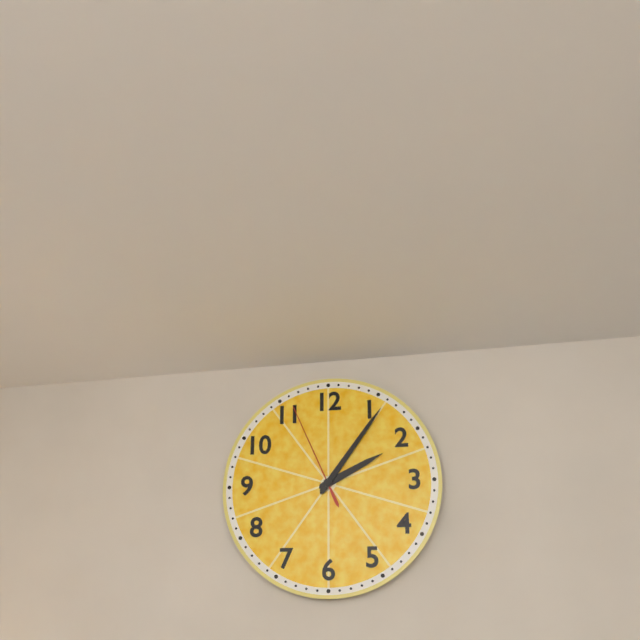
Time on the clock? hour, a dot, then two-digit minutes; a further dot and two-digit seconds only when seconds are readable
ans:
2.06.56
